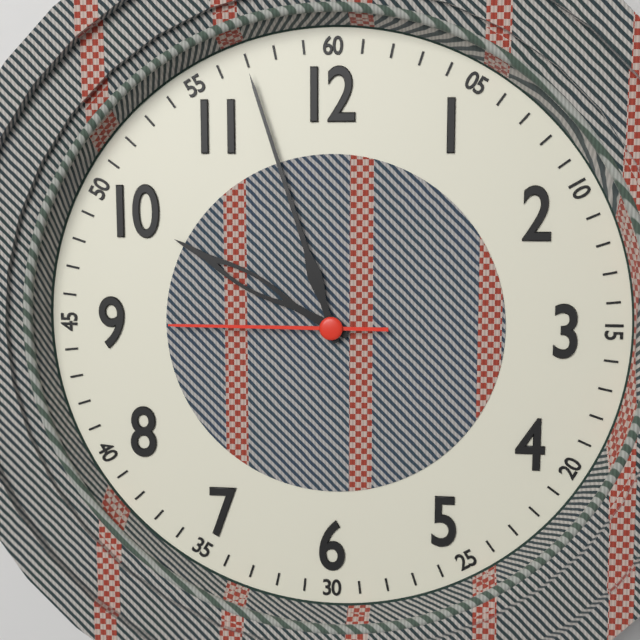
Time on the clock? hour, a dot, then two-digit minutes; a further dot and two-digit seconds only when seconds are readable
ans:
9.57.45
